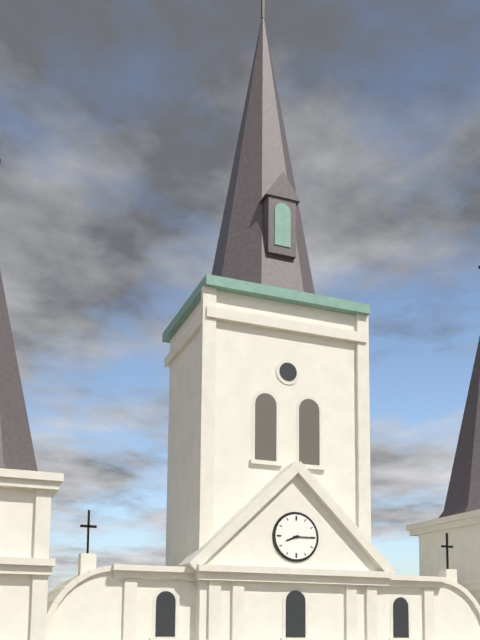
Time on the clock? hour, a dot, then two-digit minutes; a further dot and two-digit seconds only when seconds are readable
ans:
8.15
